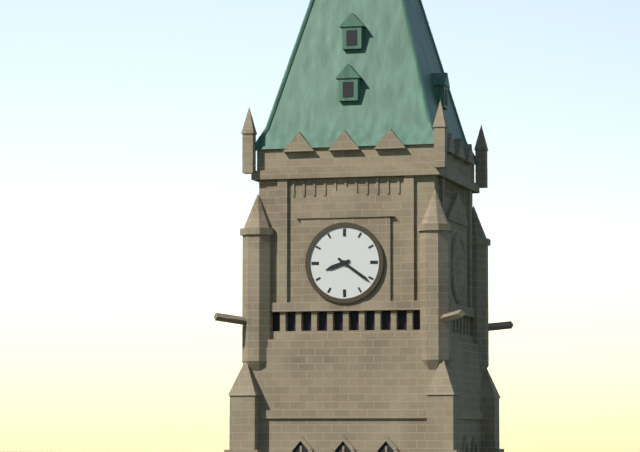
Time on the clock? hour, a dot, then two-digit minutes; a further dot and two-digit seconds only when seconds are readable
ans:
8.21
